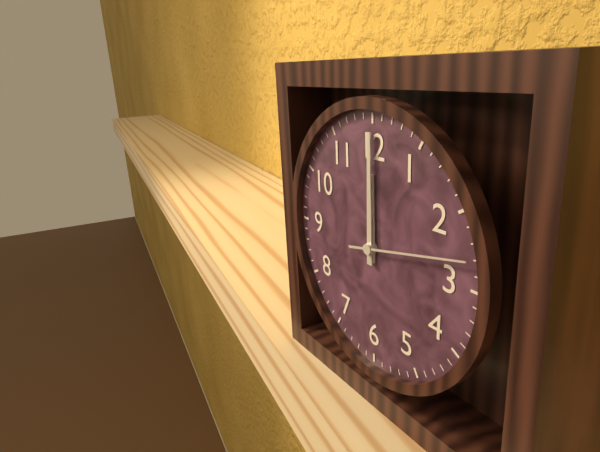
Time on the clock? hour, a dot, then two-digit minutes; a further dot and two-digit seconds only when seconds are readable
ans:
12.00.13
